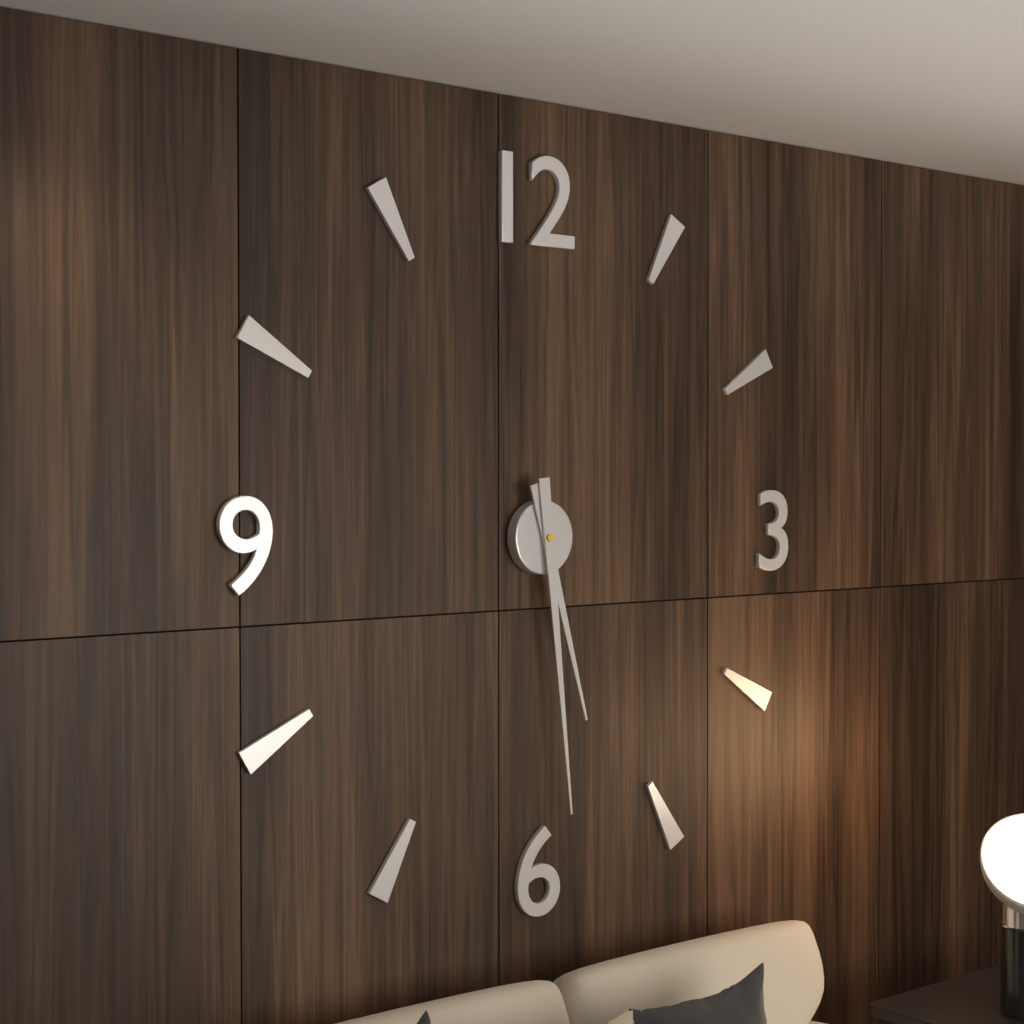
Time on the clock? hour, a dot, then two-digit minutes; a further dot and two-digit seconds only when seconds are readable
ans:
5.29
